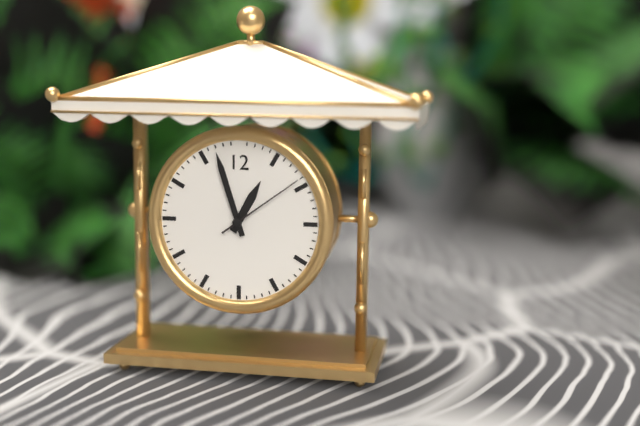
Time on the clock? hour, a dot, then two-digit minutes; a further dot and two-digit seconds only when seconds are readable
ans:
12.57.09
